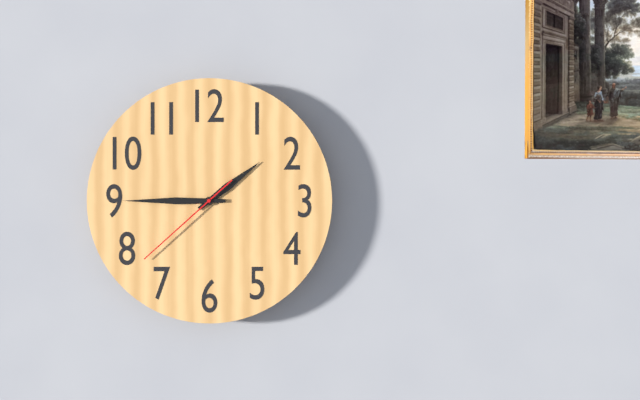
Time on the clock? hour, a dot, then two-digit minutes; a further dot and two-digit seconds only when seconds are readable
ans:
1.45.38
